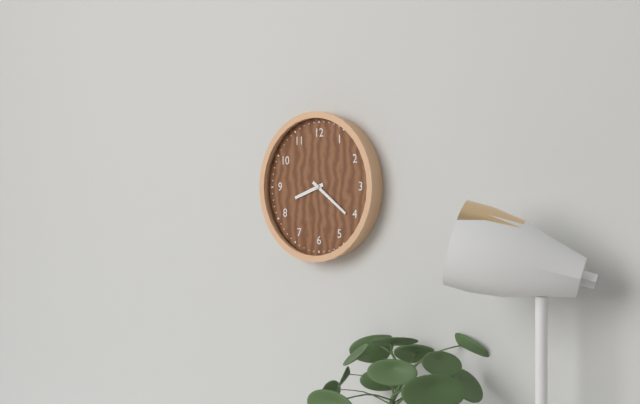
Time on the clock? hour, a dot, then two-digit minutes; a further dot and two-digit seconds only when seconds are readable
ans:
8.21
